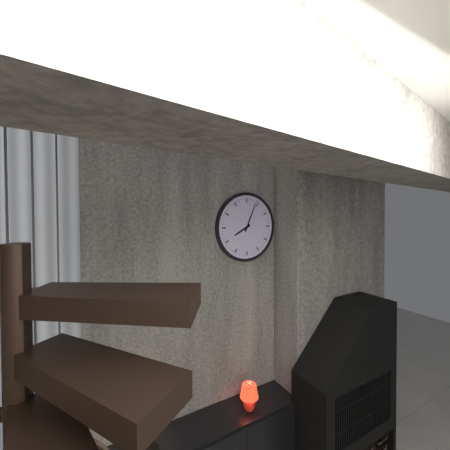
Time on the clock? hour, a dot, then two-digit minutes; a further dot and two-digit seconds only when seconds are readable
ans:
8.04
